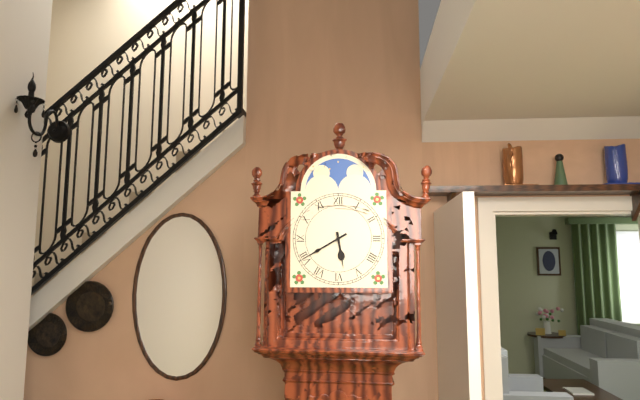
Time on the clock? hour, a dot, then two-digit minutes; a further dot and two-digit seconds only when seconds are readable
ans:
5.40
